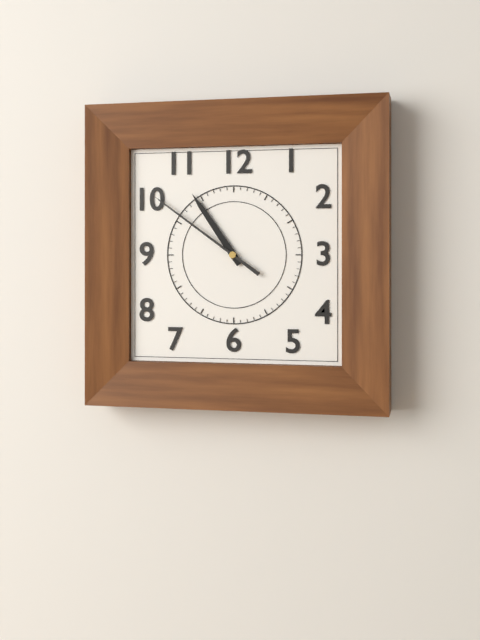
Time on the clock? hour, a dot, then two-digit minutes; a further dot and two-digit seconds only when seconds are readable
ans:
10.51
